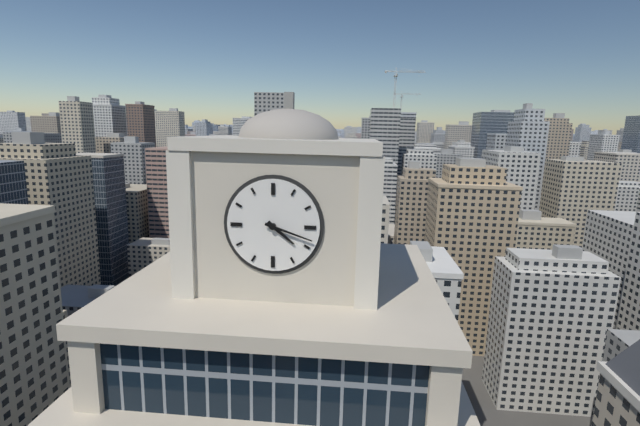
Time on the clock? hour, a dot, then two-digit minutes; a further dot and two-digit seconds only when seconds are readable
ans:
4.18
